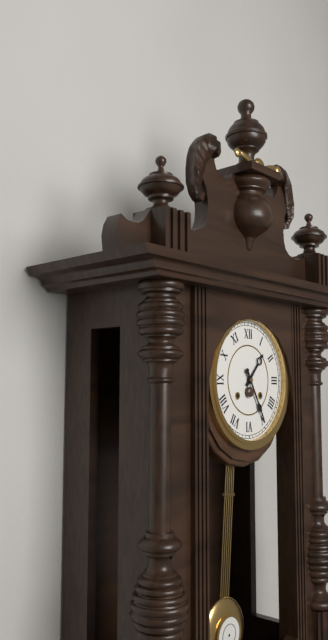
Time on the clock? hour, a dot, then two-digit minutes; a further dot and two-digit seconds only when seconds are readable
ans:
1.25
